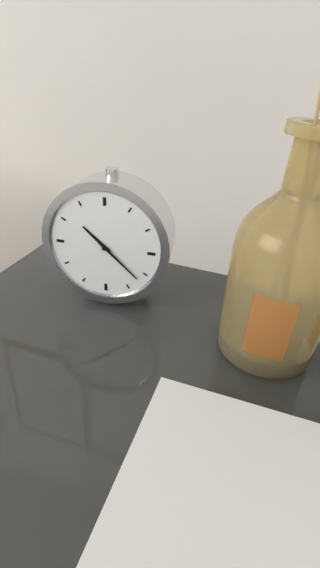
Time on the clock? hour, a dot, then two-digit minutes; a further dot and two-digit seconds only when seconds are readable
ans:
10.22
